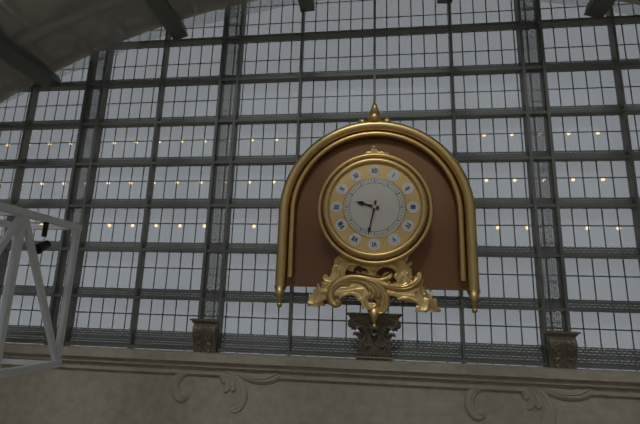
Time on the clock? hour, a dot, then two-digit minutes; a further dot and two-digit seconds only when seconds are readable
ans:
9.32
